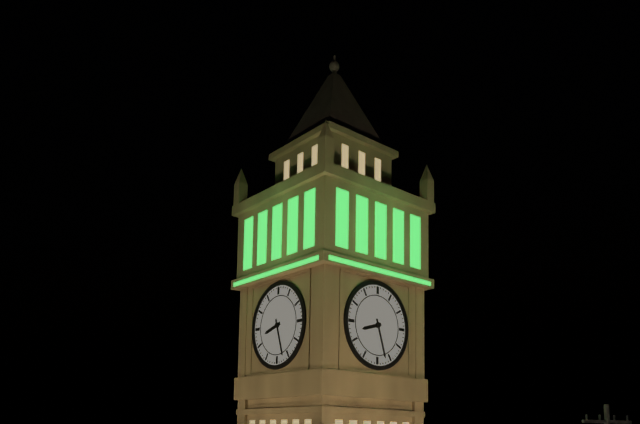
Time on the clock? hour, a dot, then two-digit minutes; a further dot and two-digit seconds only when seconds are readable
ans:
8.27
